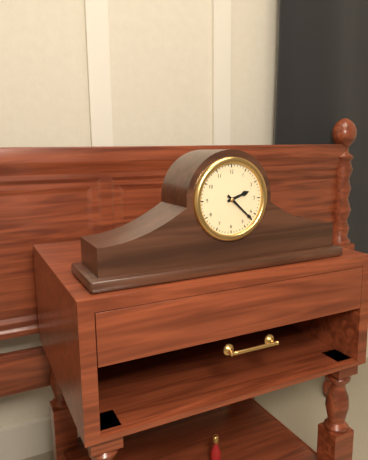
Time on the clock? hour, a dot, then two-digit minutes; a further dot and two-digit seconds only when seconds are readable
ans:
2.22
